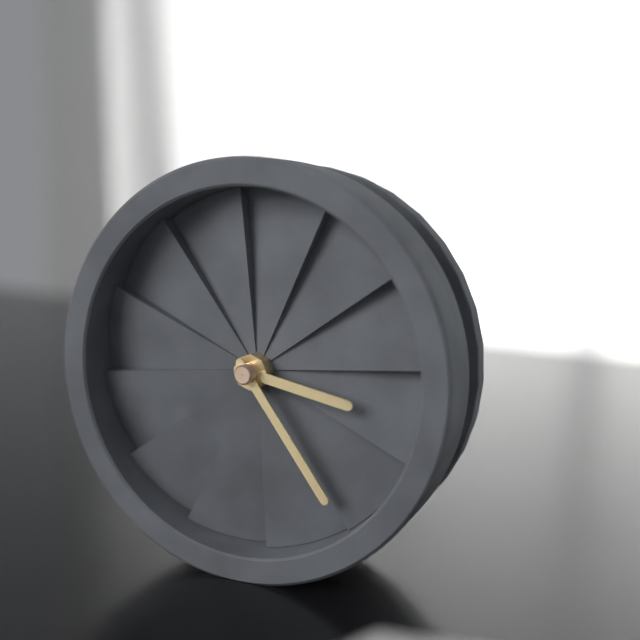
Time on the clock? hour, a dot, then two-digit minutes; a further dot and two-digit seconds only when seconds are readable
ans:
3.24
